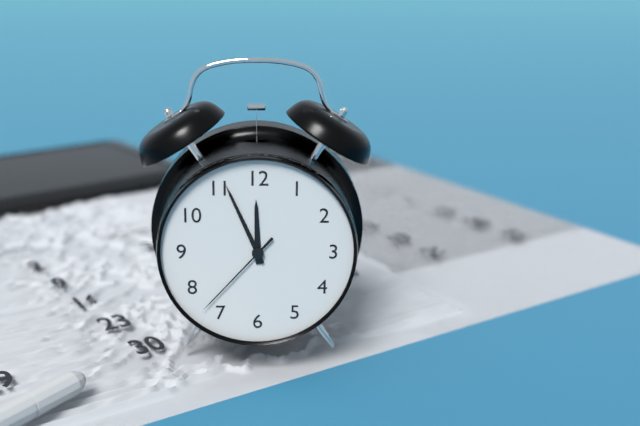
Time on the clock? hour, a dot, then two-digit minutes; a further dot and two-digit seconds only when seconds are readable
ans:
11.56.37
